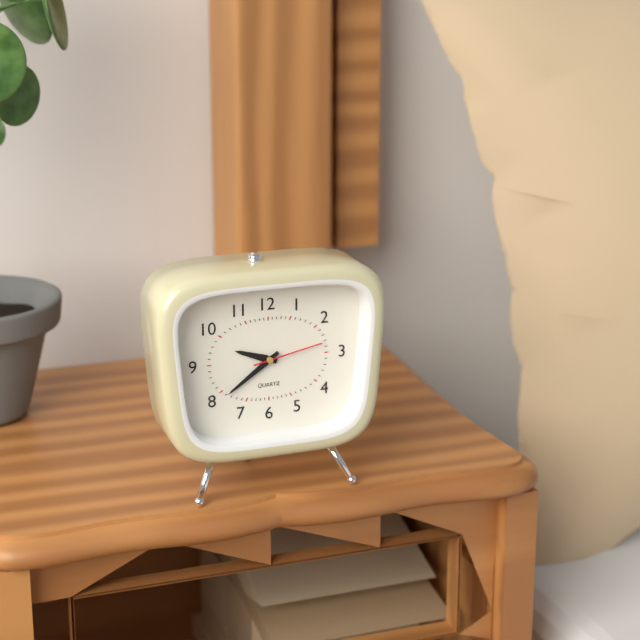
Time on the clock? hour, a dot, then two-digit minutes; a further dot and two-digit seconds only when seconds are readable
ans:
9.39.13
